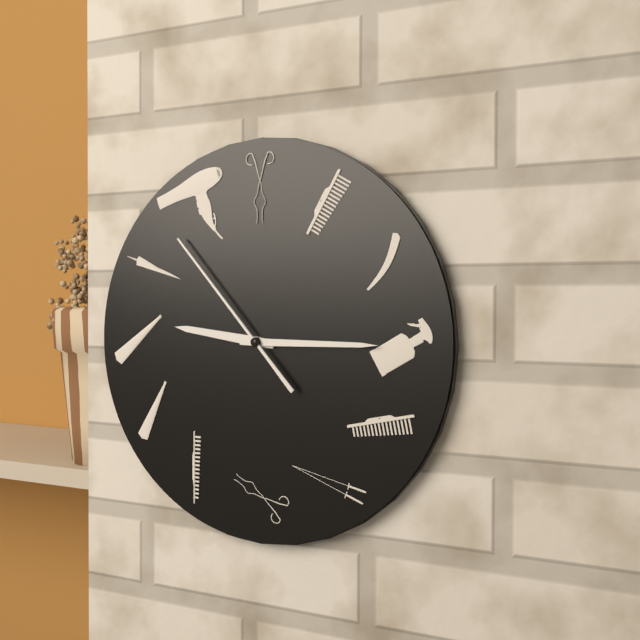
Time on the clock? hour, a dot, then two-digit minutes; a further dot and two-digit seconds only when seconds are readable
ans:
9.15.53
